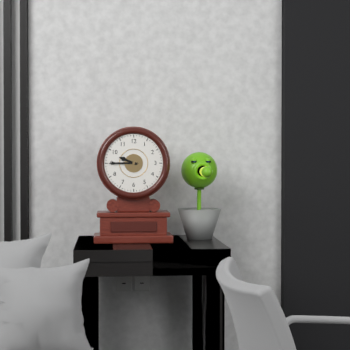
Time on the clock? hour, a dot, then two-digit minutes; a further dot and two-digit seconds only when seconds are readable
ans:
9.45
